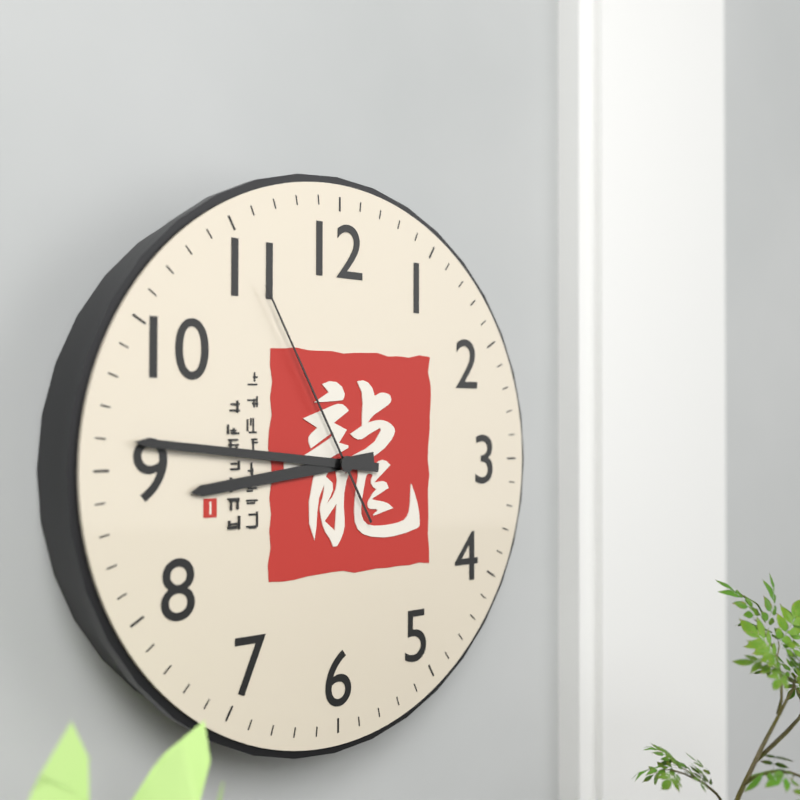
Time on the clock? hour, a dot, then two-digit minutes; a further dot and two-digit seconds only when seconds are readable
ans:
8.46.55
